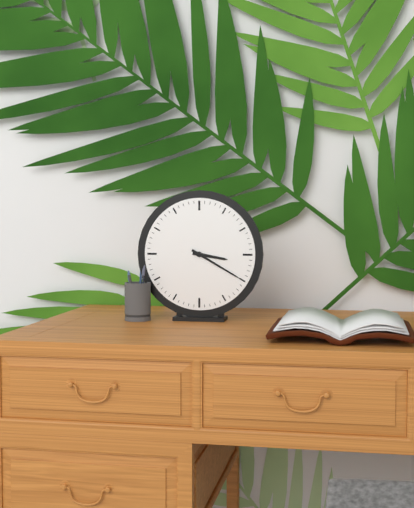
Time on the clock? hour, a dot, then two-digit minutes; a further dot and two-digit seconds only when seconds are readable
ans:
3.20
